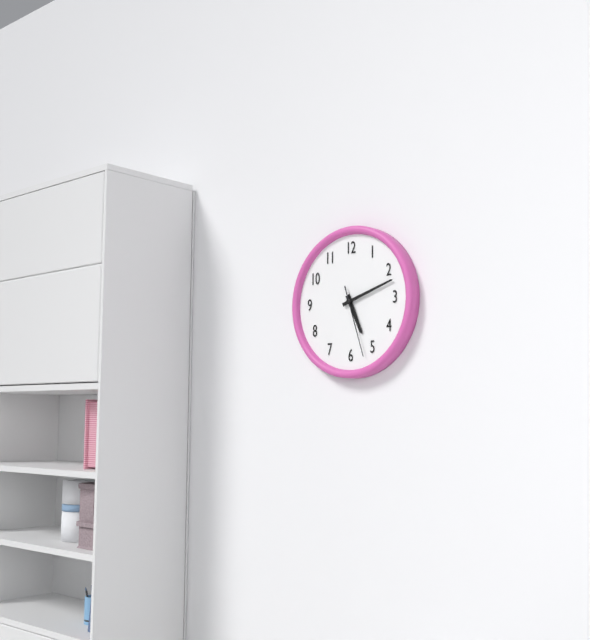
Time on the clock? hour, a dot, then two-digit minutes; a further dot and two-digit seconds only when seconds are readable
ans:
5.12.27
